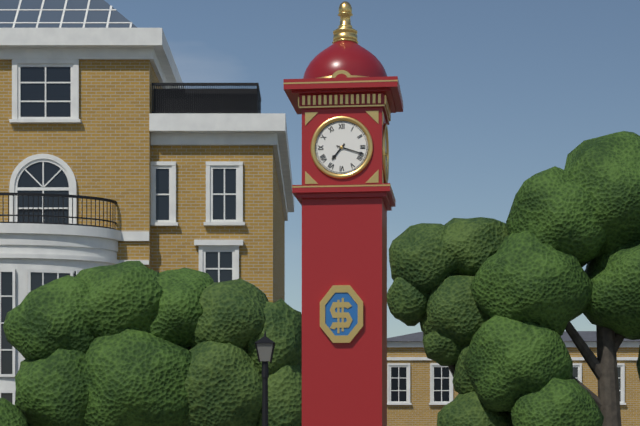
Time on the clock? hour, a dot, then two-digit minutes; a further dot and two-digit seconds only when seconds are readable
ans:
7.18
